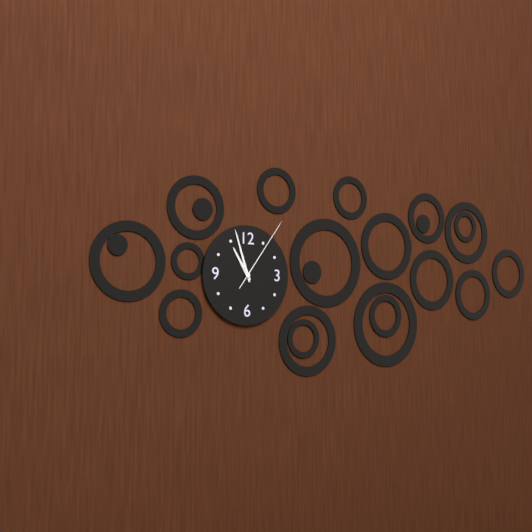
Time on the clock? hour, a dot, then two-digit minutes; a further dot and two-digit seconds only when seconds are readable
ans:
10.57.06
